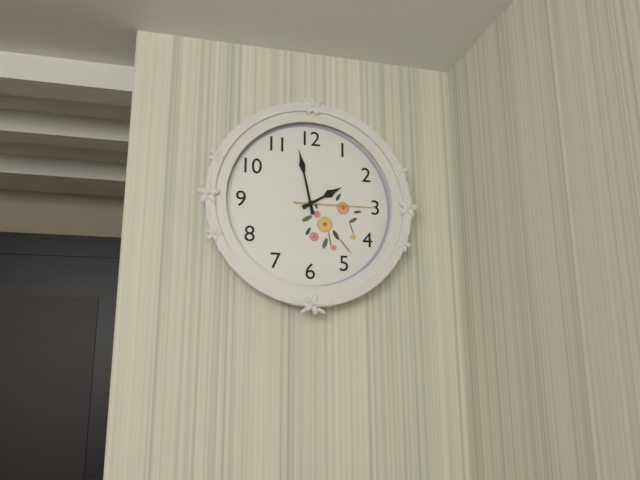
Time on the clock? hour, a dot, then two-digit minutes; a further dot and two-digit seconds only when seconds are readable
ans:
1.58.15
